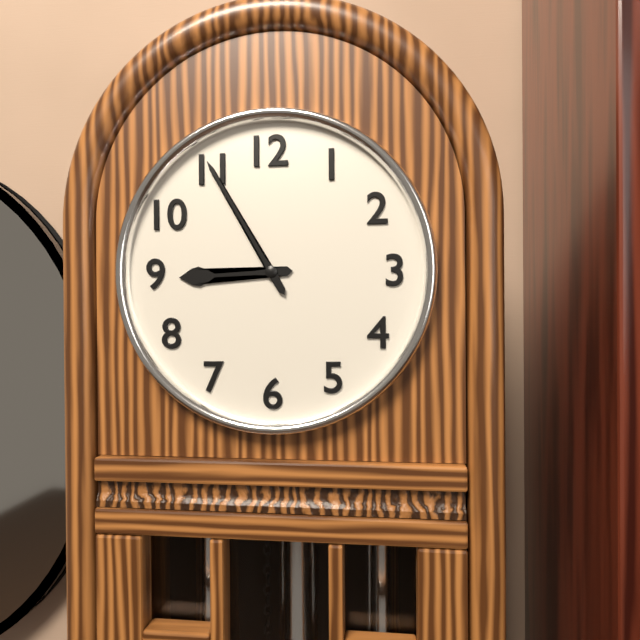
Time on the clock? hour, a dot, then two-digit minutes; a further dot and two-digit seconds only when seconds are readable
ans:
8.55
